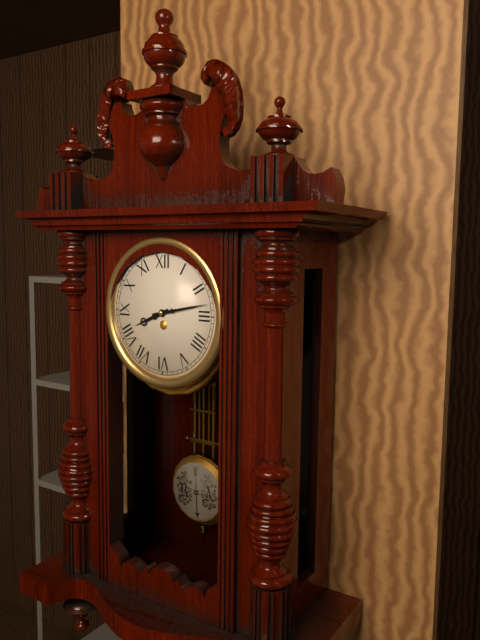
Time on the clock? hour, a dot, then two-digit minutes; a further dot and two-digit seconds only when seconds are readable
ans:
8.13
